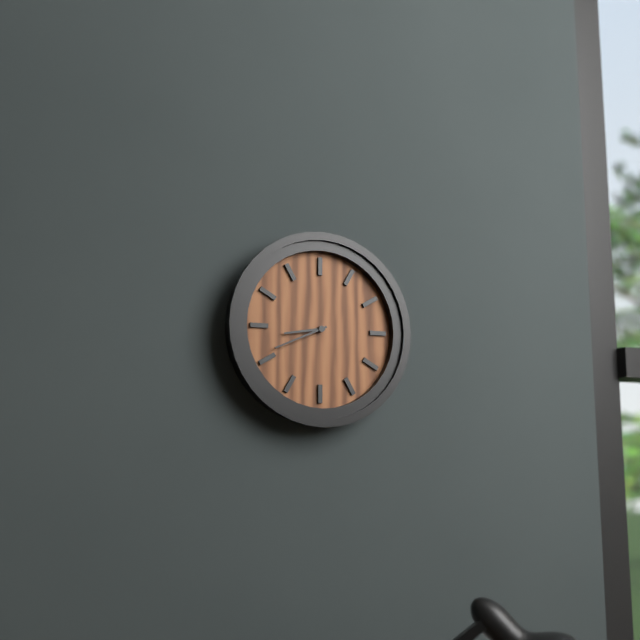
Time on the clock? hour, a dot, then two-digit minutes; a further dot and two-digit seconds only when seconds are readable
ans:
8.41
